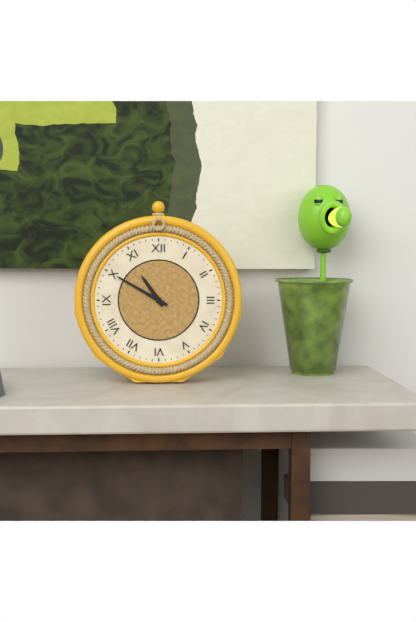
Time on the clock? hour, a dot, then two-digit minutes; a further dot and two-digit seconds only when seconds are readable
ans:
10.50
